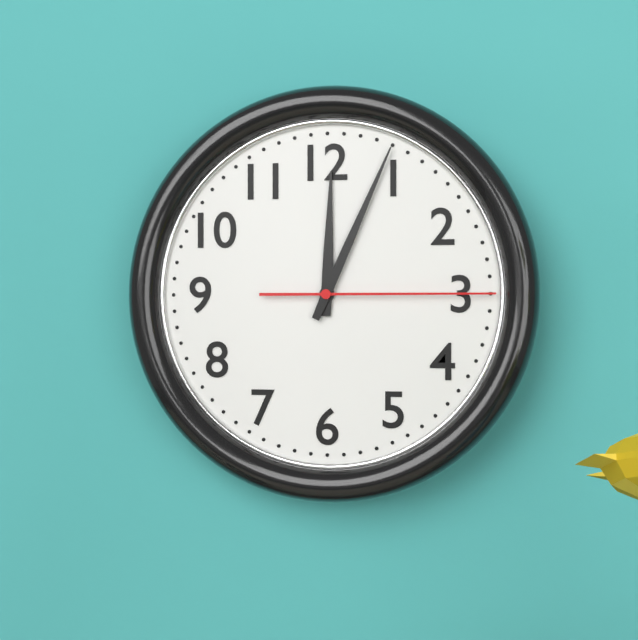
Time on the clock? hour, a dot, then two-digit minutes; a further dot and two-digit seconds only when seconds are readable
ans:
12.04.15
